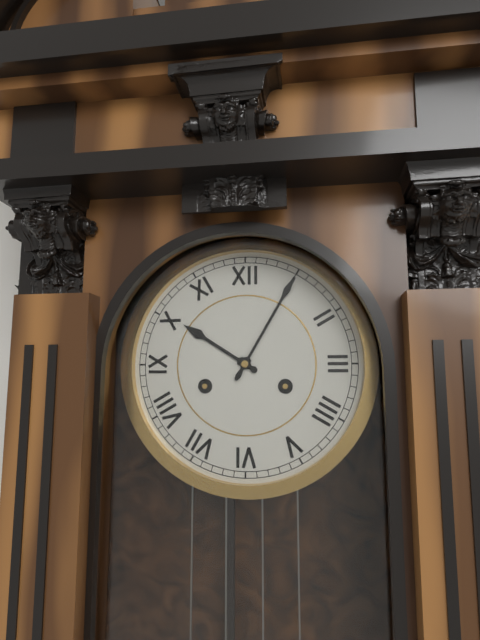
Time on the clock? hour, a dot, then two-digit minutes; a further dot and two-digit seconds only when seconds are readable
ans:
10.05
